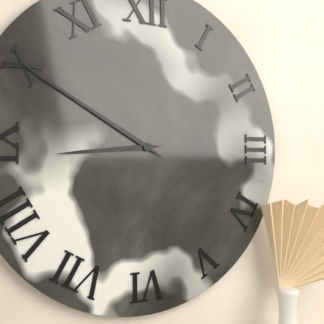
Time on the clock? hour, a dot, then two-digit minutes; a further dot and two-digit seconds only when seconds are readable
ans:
8.50
